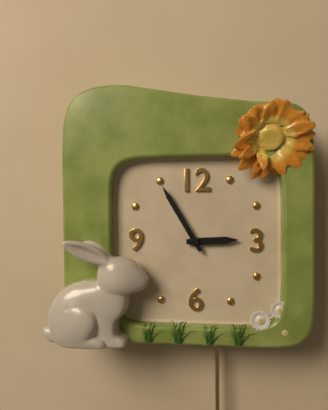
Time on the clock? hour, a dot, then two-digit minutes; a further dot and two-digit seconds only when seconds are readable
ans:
2.55
